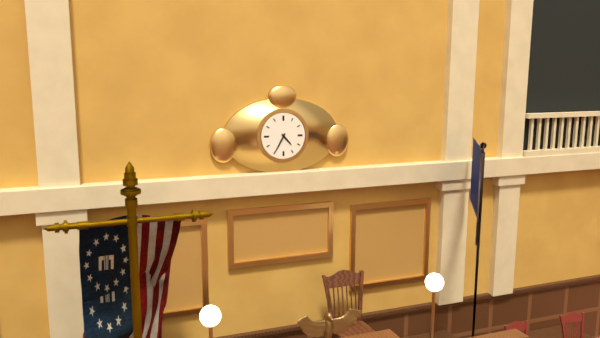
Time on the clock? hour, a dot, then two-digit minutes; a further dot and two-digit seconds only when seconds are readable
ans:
4.35
